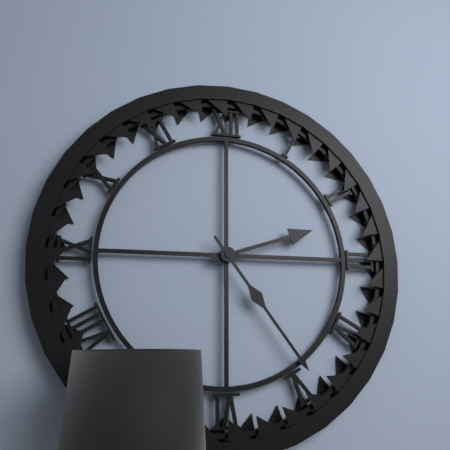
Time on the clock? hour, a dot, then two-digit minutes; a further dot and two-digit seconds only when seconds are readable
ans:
2.24
